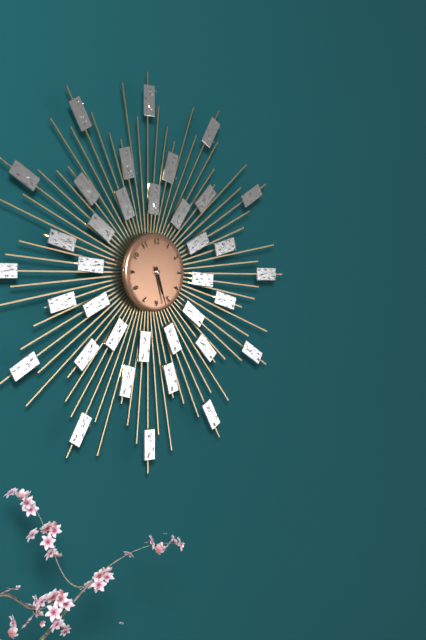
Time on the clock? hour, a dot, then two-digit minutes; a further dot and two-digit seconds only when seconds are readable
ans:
5.27
